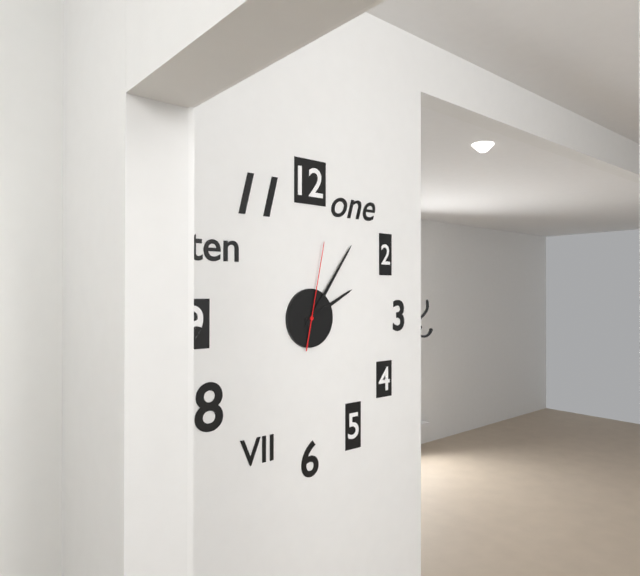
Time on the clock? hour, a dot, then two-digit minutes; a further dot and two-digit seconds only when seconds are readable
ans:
2.06.02
